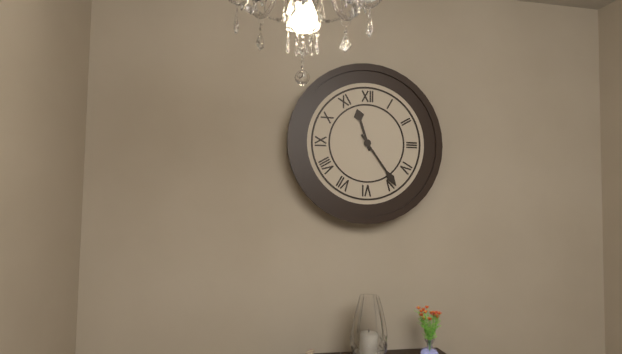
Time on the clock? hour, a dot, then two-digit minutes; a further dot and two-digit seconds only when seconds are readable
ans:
11.24
